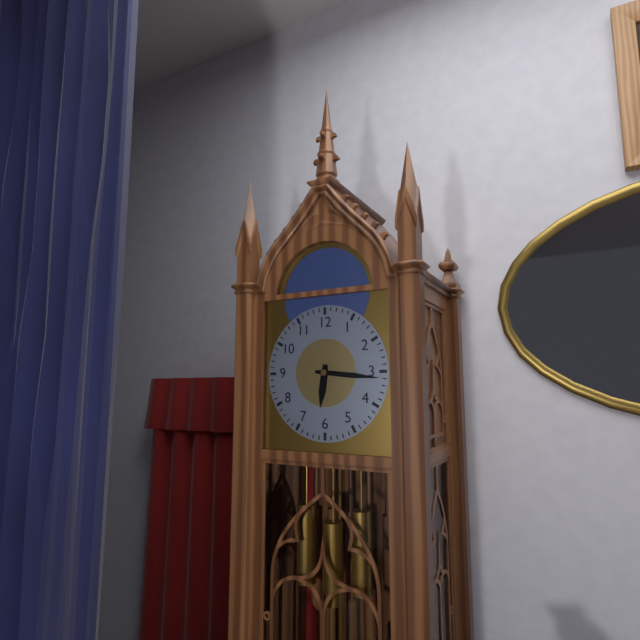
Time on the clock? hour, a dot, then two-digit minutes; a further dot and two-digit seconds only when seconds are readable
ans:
6.16
